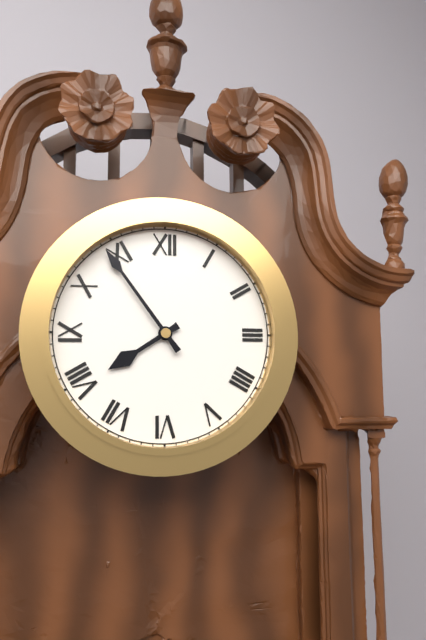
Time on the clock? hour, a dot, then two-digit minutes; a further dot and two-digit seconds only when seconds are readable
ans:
7.54
